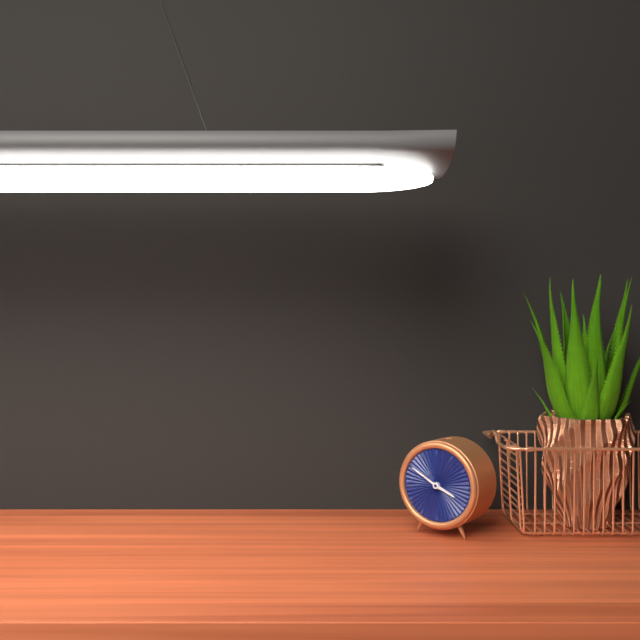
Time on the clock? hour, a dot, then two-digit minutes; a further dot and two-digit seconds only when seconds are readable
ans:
3.50
